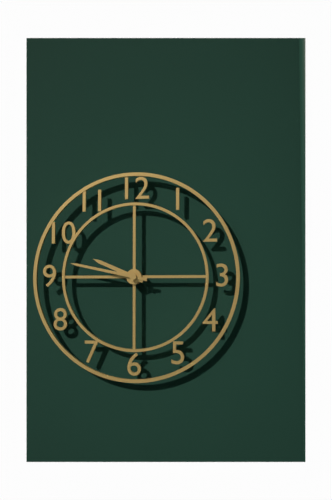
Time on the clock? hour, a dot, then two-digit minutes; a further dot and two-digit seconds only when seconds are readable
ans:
9.47
